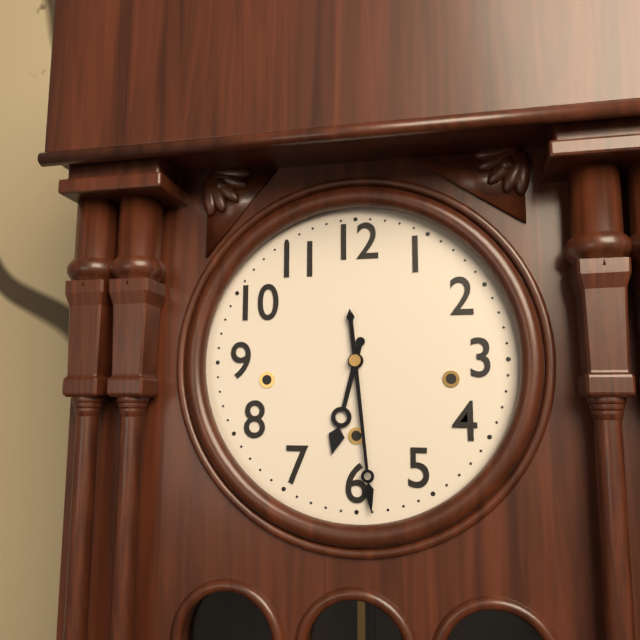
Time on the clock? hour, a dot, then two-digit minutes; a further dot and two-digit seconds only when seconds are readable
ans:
6.29
